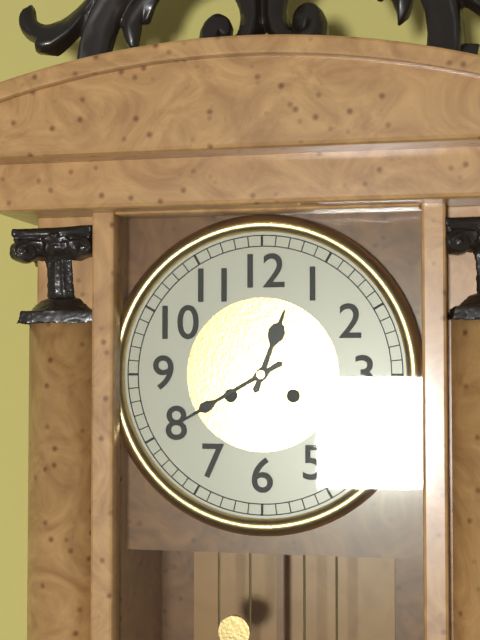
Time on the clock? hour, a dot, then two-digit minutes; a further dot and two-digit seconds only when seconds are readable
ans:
12.40
